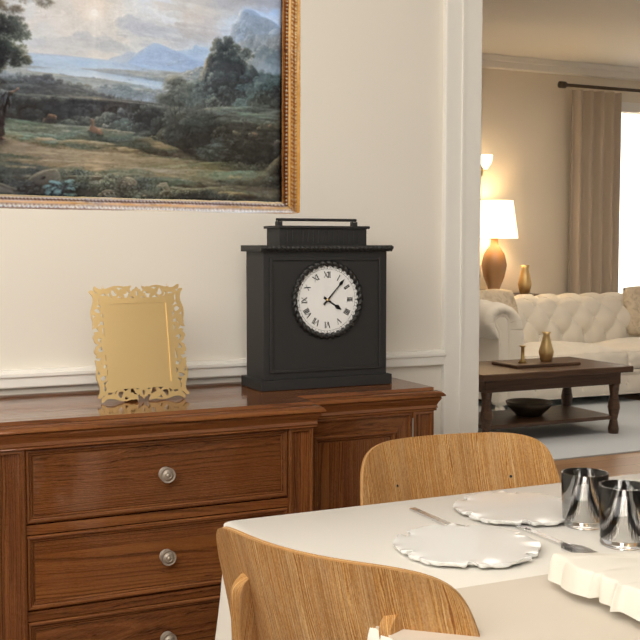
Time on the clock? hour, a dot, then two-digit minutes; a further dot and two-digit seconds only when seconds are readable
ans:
4.07
